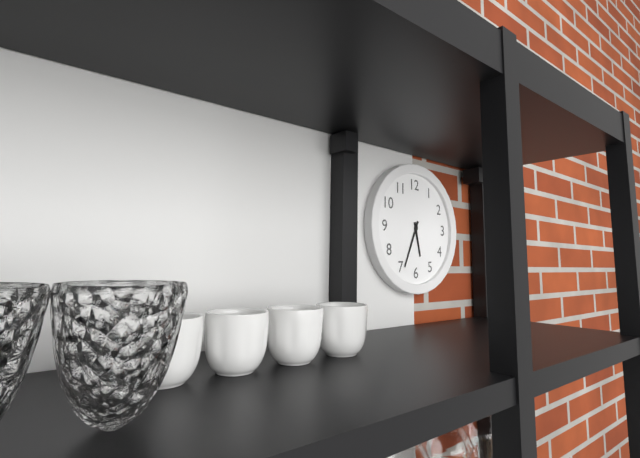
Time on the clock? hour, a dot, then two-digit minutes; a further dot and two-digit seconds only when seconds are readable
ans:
5.34
